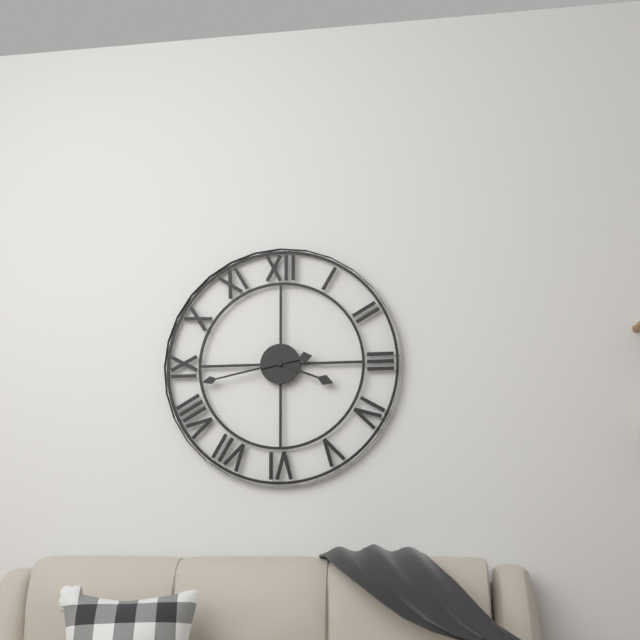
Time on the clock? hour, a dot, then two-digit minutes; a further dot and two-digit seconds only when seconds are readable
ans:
3.43
